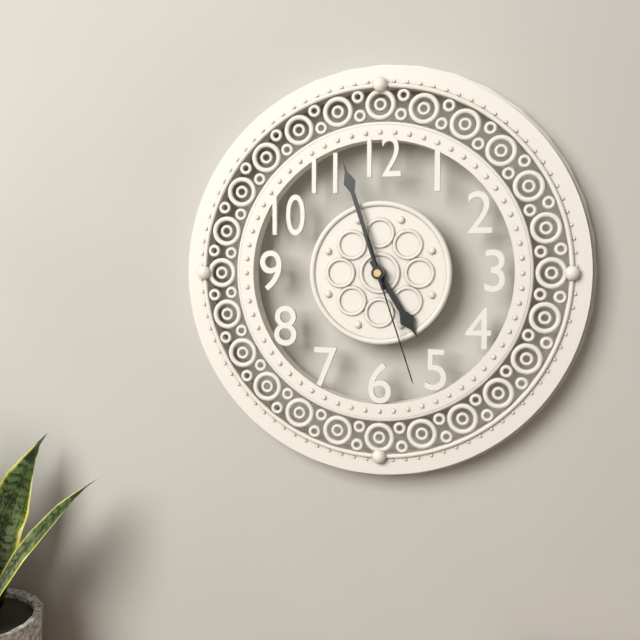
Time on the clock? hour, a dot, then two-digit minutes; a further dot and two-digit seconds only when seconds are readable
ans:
4.57.27
